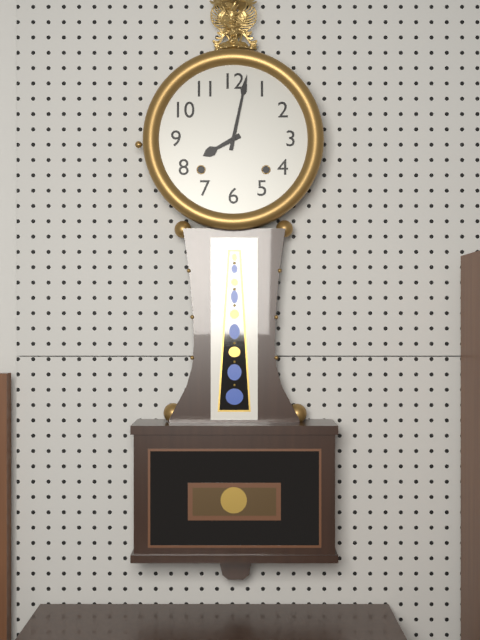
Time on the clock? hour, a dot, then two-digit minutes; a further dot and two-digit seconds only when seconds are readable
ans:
8.02
